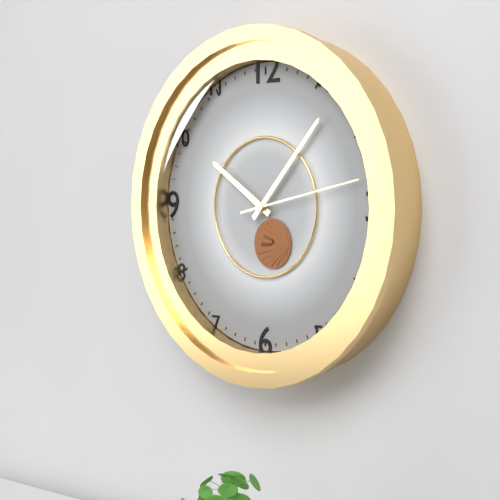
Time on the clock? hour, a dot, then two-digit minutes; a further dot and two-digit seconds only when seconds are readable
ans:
10.07.13
